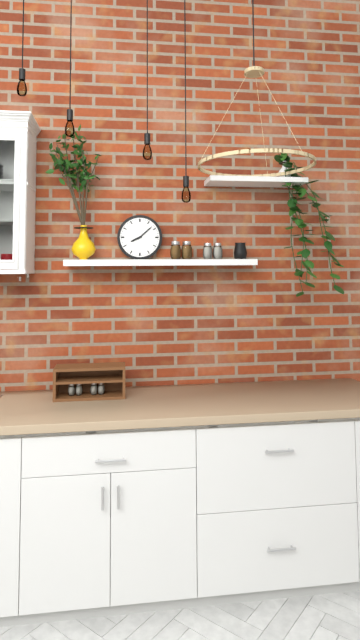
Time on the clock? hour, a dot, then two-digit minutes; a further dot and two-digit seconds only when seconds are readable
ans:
8.08
